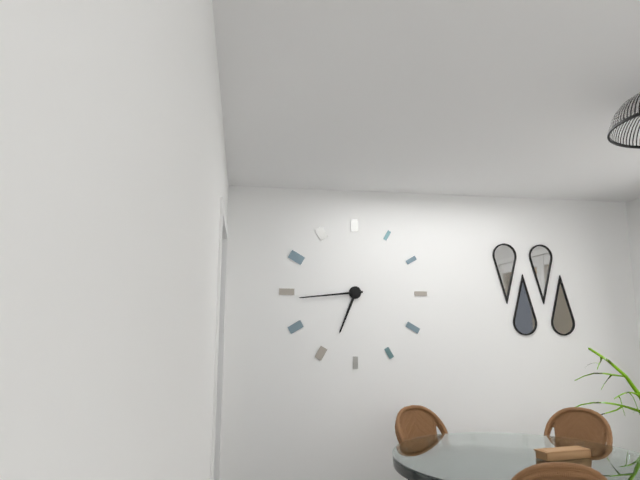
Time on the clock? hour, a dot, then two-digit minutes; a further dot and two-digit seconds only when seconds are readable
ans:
6.44
